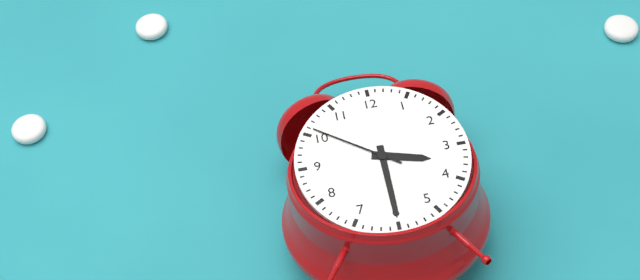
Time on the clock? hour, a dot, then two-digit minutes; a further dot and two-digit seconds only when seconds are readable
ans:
3.30.51
